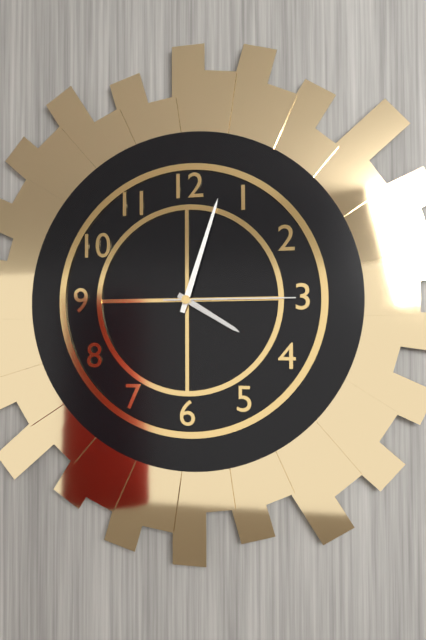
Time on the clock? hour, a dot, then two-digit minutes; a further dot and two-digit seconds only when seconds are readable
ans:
4.03.15
